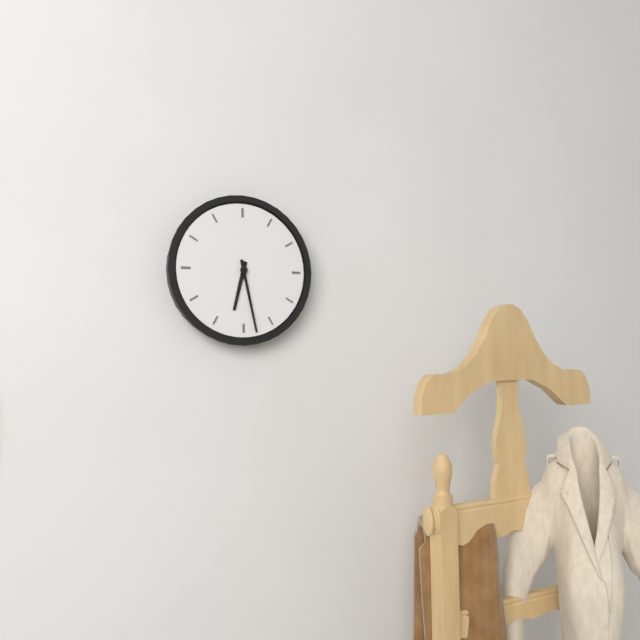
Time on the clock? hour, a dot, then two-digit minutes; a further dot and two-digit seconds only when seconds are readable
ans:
6.28
